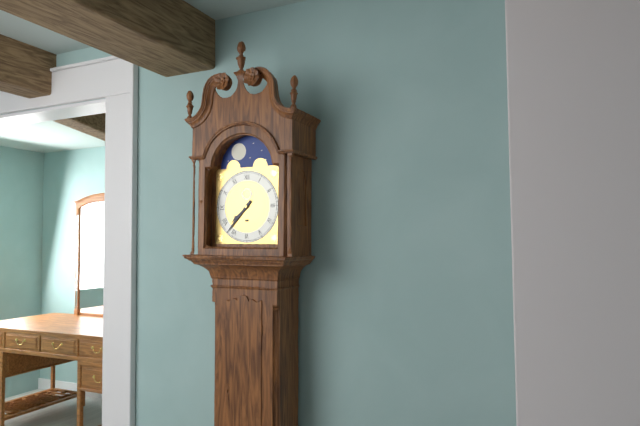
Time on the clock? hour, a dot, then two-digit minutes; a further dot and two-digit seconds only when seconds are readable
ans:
7.37
